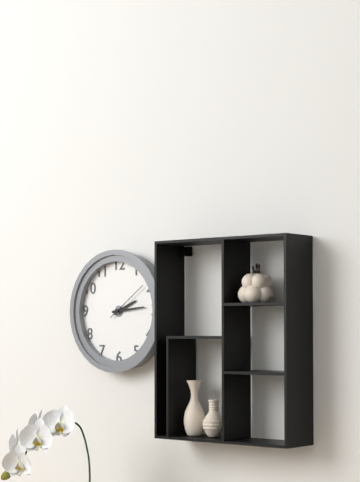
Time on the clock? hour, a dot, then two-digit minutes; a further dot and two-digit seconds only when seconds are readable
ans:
2.14
